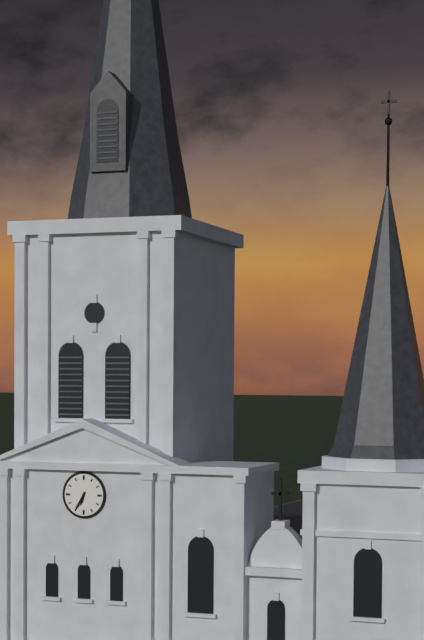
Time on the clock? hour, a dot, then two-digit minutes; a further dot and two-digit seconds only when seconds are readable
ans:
6.35
